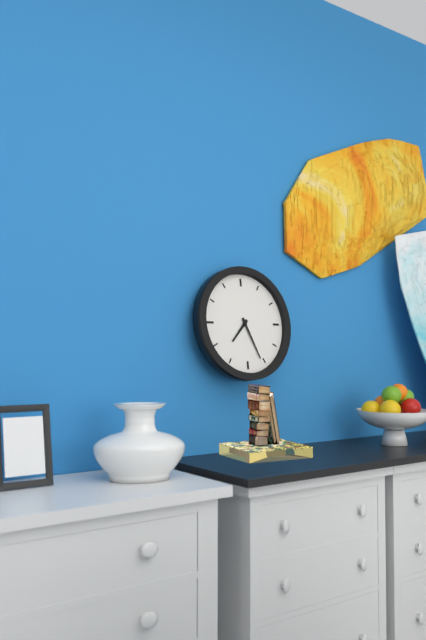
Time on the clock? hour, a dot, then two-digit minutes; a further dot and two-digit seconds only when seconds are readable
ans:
7.26
